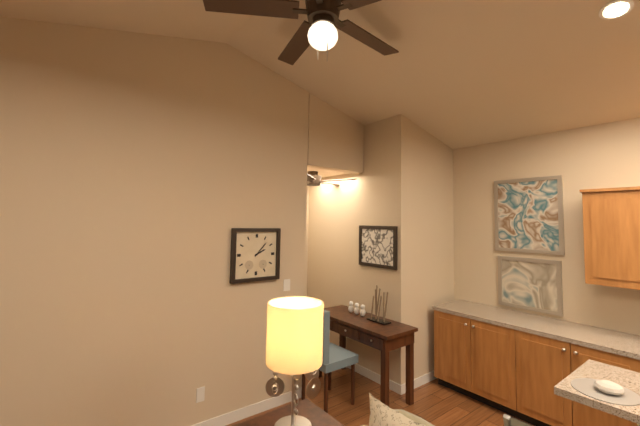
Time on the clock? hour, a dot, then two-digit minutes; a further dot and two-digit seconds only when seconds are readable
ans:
2.07
